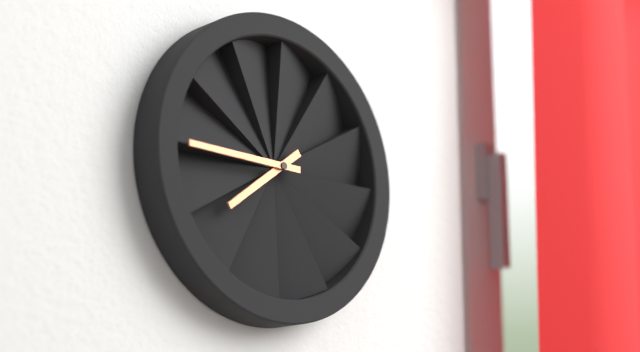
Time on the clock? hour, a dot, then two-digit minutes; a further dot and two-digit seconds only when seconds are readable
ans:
7.45
